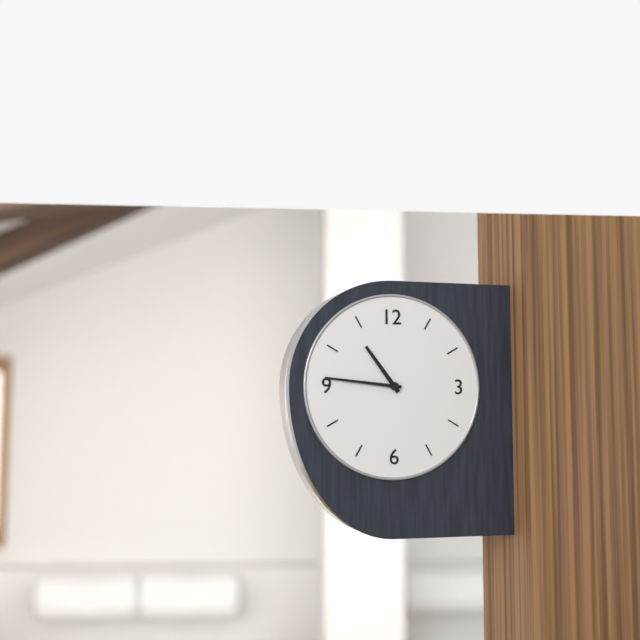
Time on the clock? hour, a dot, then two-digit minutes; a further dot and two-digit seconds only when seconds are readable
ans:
10.46
